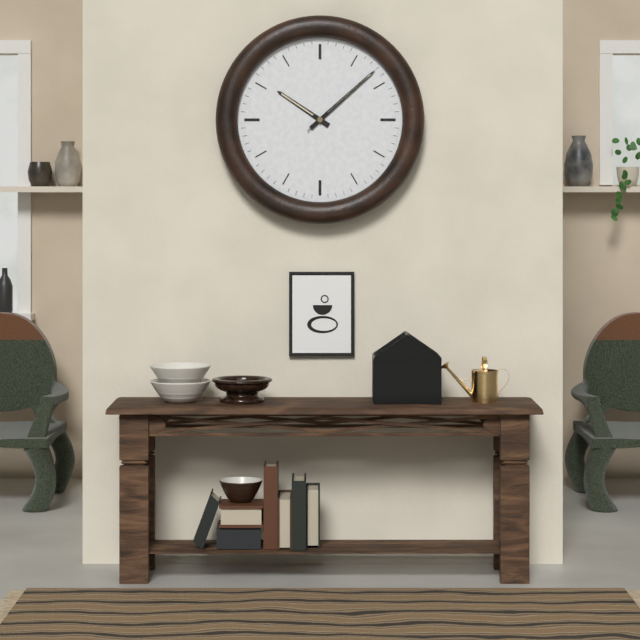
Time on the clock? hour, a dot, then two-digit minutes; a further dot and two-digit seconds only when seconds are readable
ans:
10.08.08
